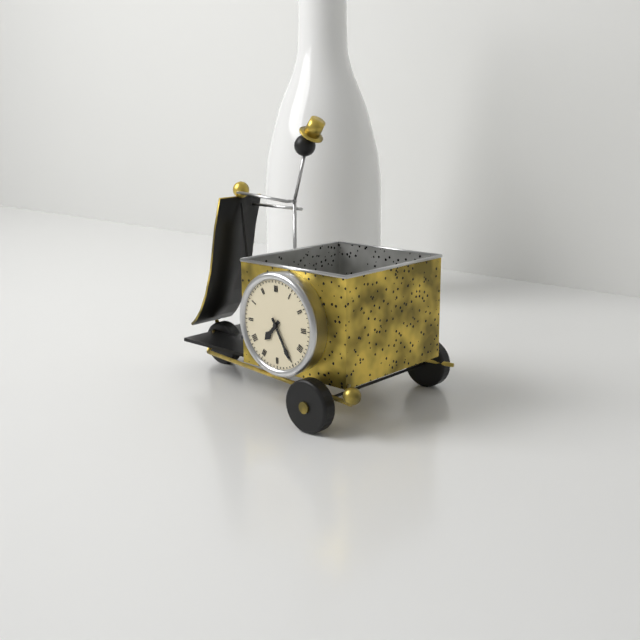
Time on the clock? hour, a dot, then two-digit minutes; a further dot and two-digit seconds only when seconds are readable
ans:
7.25
